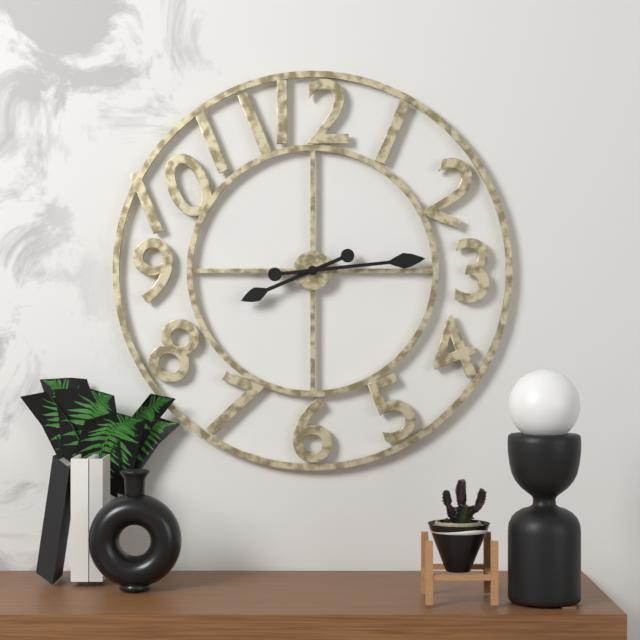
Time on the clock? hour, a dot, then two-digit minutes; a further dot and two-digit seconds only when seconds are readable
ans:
8.14
